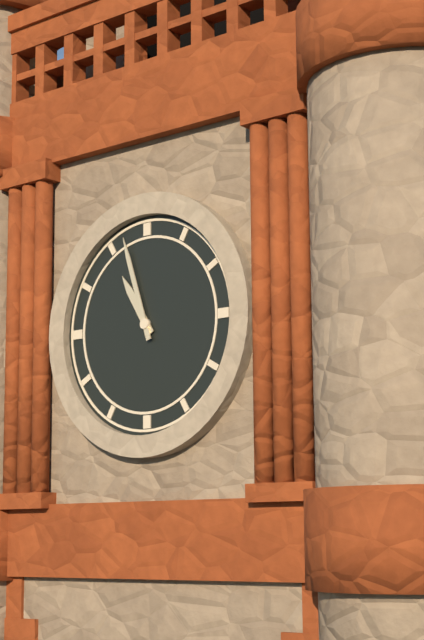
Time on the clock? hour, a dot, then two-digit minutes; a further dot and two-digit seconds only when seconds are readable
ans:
10.57
